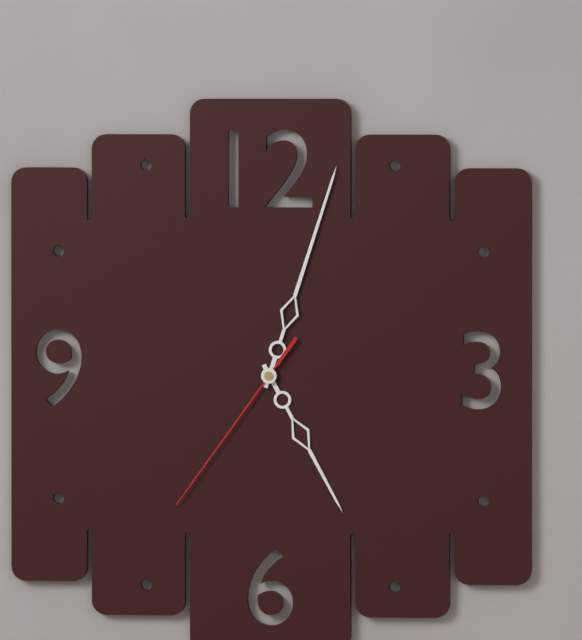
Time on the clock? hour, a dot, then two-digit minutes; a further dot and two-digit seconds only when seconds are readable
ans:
5.03.36
